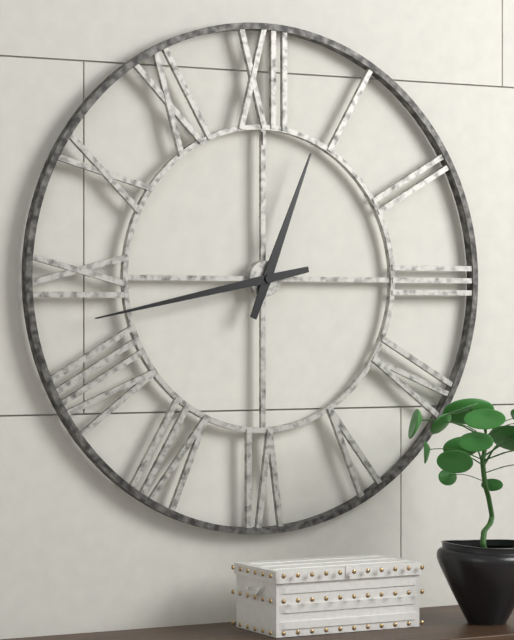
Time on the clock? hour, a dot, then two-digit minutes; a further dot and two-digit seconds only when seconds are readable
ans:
12.43
